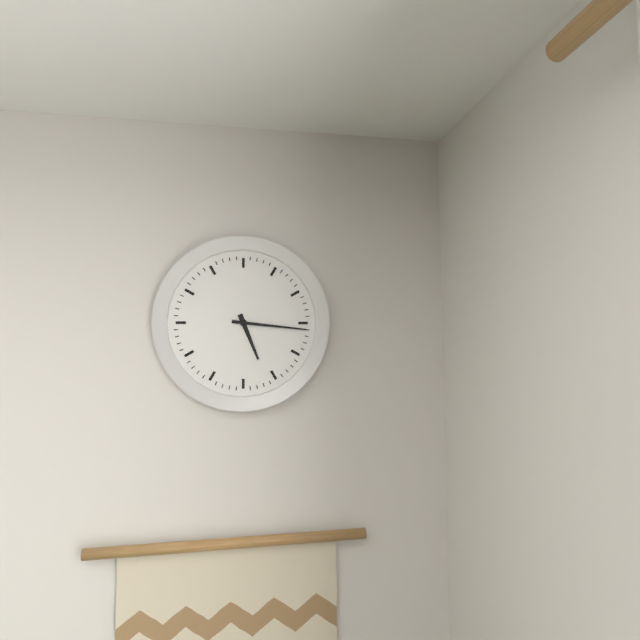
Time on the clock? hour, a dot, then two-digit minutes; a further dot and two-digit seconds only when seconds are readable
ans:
5.16
